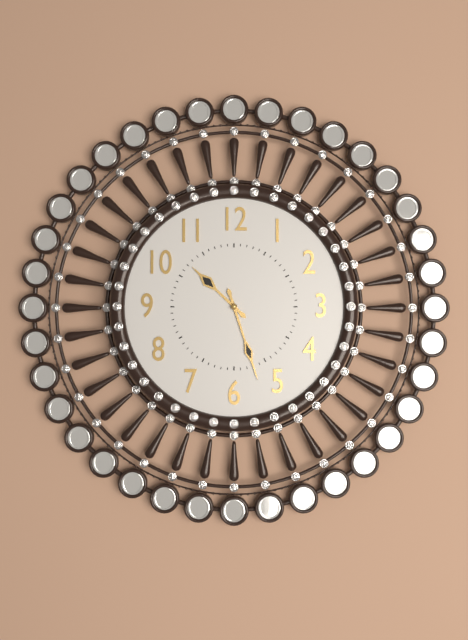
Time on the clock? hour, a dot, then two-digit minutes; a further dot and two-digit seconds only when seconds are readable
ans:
10.27
